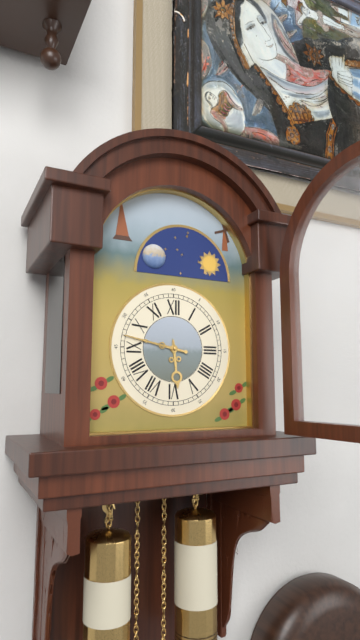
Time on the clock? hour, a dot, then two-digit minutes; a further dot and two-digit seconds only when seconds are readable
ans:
5.47
